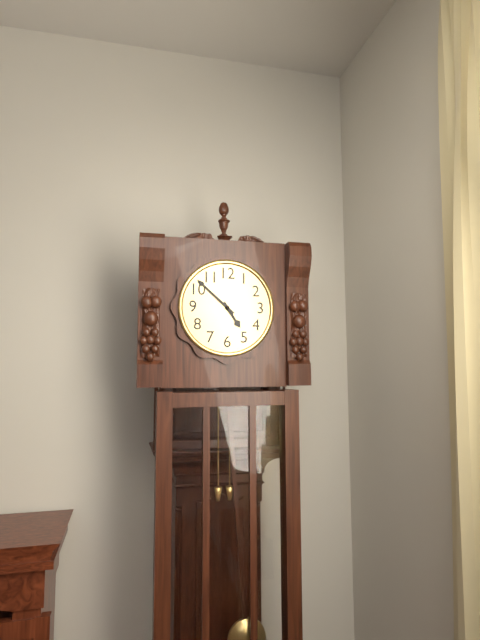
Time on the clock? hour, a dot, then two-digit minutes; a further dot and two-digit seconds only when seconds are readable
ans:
4.52
